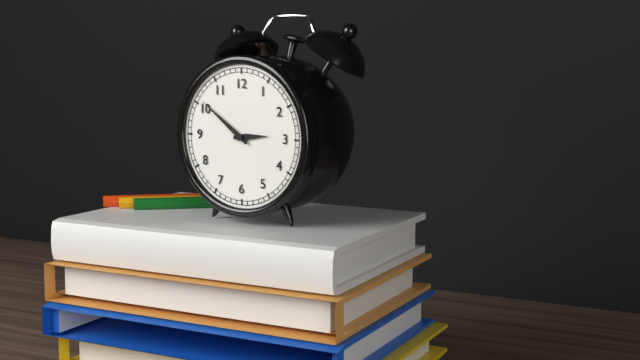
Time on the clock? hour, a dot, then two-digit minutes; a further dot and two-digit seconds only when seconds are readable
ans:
2.51
